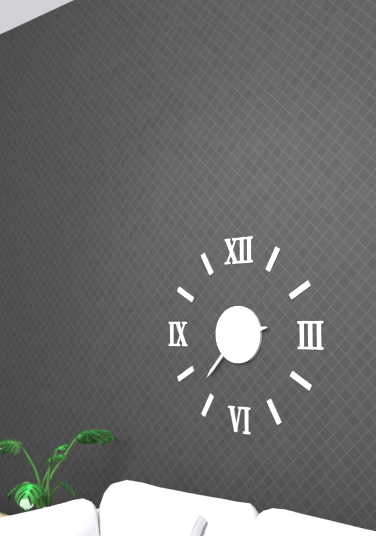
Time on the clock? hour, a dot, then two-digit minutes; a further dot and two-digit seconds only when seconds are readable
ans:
2.37
